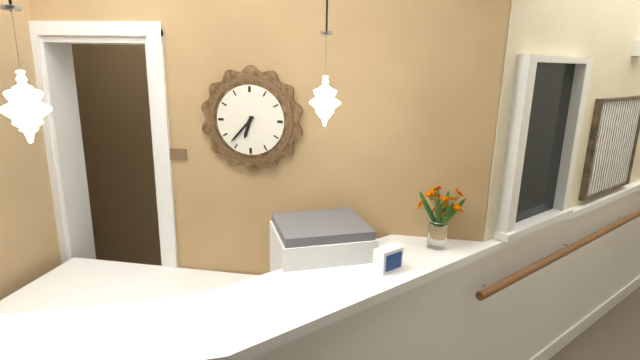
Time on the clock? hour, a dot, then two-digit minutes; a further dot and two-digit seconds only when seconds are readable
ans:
6.37
